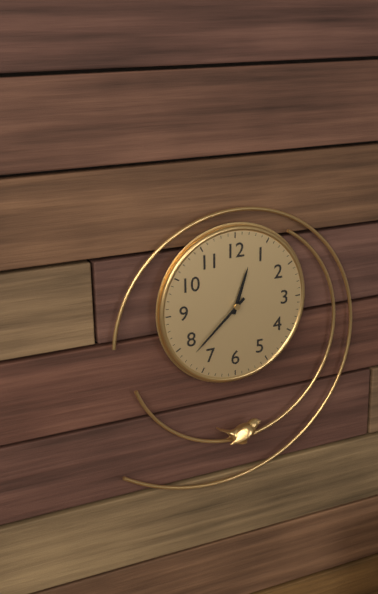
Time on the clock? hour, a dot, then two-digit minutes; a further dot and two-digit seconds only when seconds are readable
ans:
12.38
